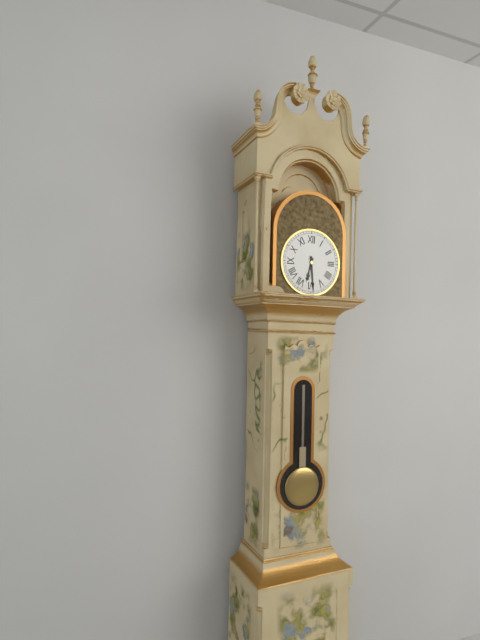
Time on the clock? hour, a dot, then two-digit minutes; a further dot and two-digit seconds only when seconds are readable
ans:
6.29
